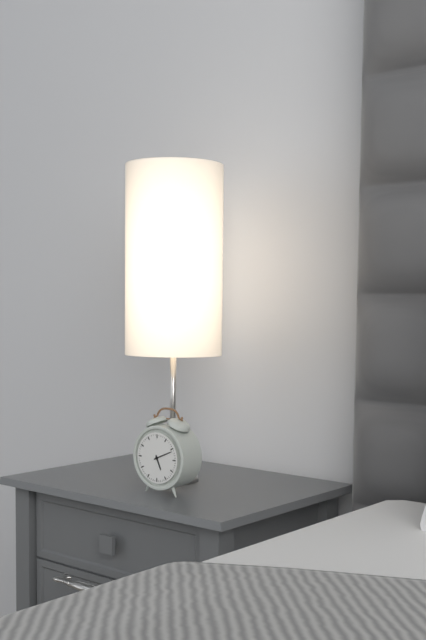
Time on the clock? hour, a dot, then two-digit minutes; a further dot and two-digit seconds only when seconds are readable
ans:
5.11
